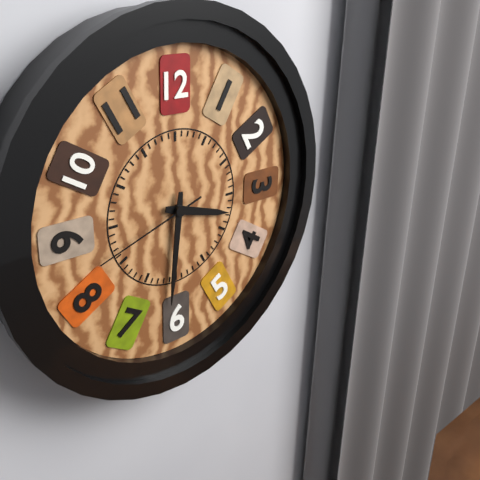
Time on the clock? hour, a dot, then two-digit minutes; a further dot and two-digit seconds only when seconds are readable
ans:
3.31.42
